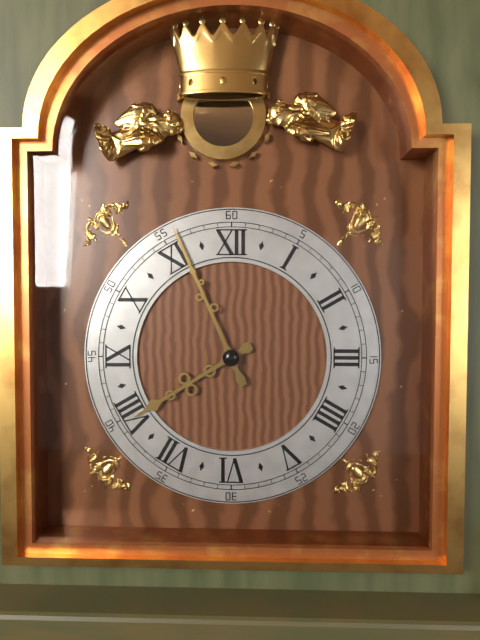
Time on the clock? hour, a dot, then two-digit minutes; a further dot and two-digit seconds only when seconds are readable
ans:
7.56
